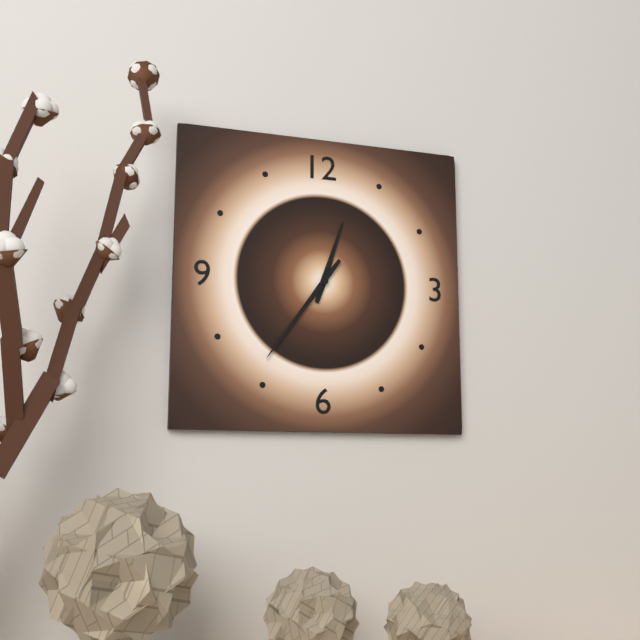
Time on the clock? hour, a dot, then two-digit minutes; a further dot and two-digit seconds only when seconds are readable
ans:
12.36
